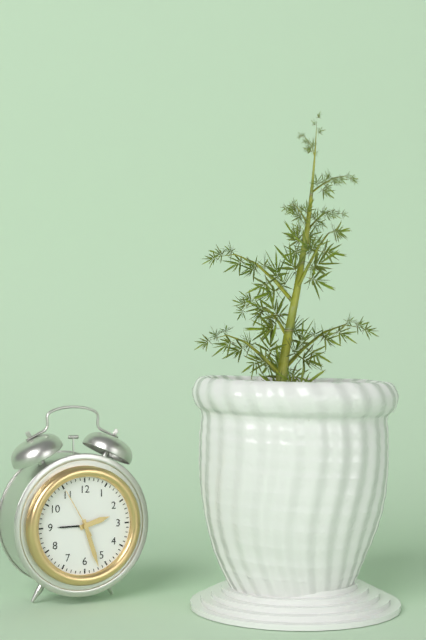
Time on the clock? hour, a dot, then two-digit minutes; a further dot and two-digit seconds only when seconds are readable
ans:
2.27
